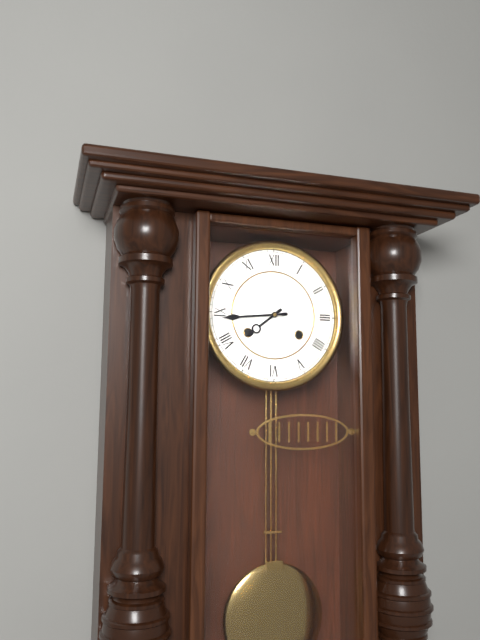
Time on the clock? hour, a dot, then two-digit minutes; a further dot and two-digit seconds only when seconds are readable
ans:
7.44
